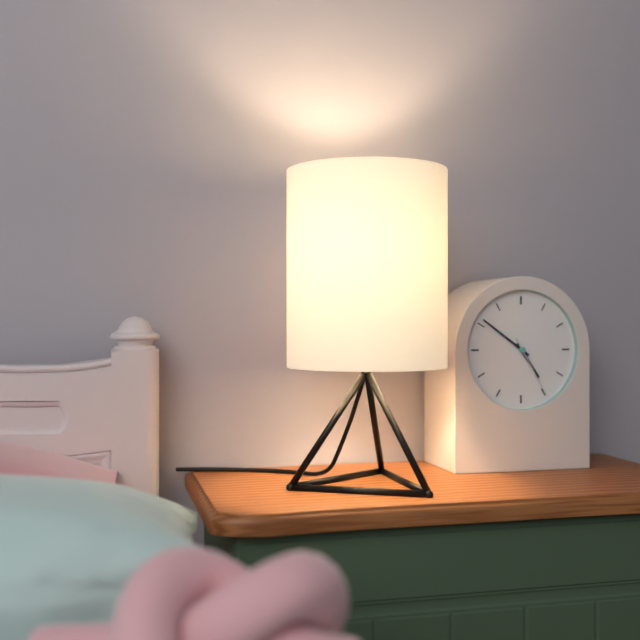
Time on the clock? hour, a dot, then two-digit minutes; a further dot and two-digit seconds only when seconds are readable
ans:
4.51.25
